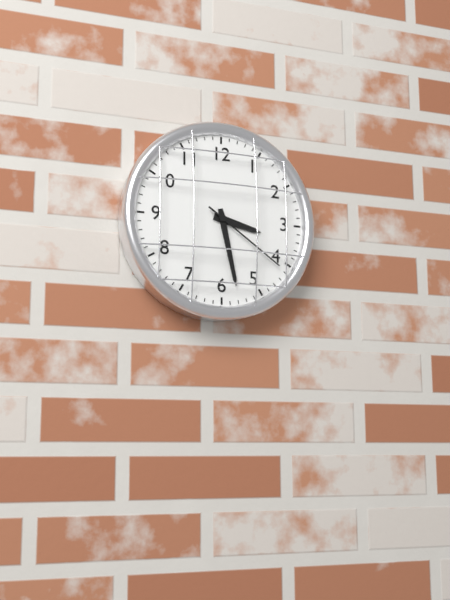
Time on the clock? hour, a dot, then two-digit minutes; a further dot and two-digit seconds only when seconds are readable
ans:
3.28.21
